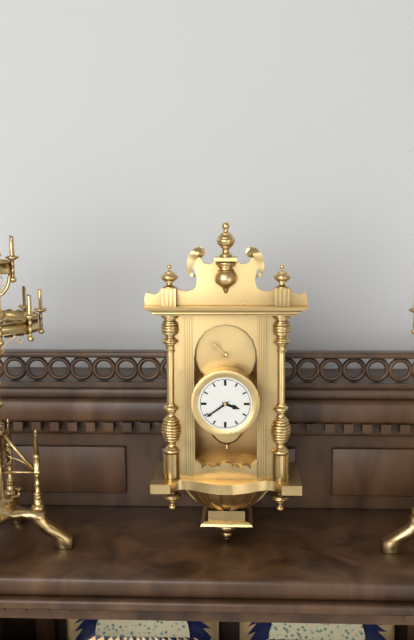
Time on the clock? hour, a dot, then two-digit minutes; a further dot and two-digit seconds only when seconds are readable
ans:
3.39
